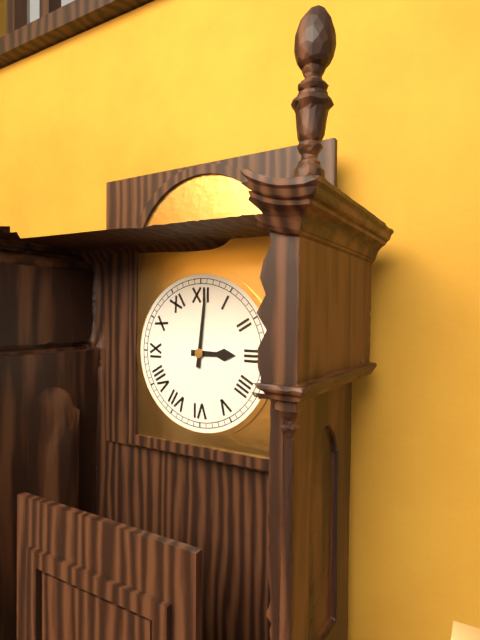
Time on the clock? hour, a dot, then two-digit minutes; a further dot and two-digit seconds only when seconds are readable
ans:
3.01
